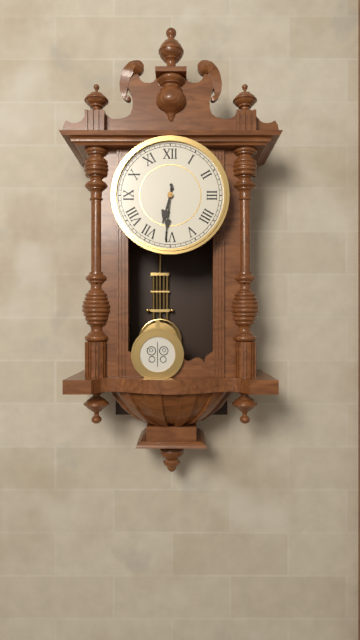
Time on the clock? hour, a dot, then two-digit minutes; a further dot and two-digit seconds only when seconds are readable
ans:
6.31
